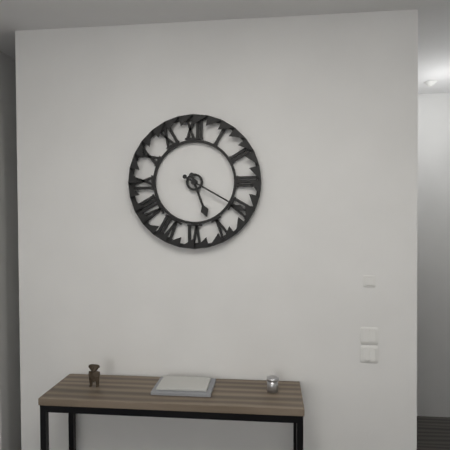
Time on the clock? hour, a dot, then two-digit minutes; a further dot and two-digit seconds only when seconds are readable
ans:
5.20
